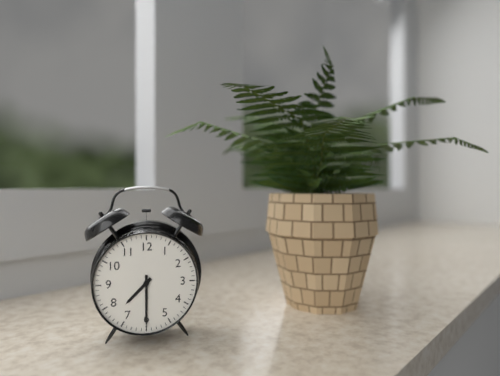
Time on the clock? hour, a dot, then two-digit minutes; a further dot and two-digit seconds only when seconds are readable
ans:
7.30
